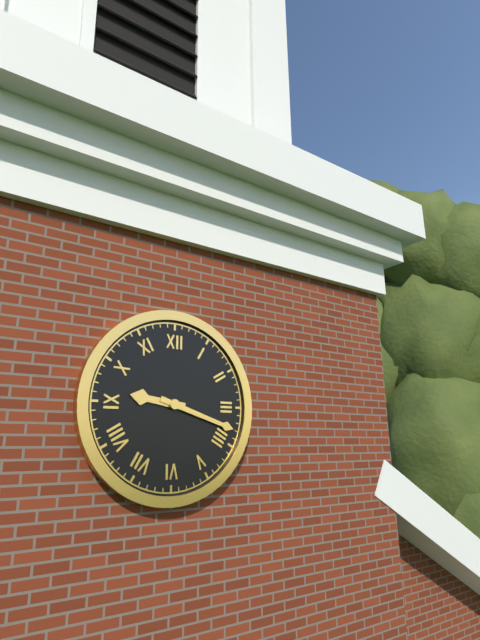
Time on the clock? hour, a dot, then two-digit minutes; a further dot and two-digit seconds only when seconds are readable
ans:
9.18
